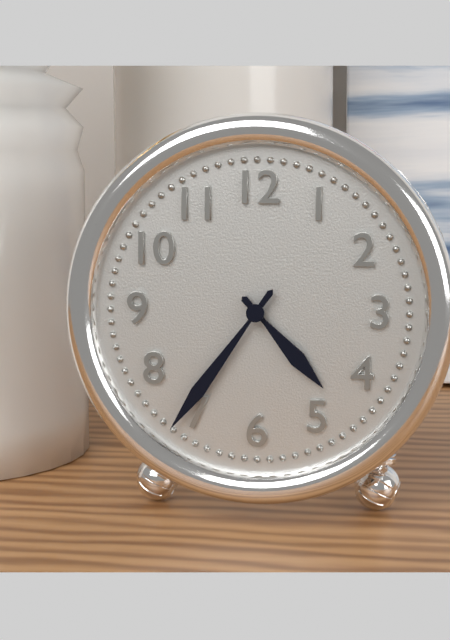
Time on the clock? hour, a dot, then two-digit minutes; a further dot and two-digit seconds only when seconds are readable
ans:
4.36
